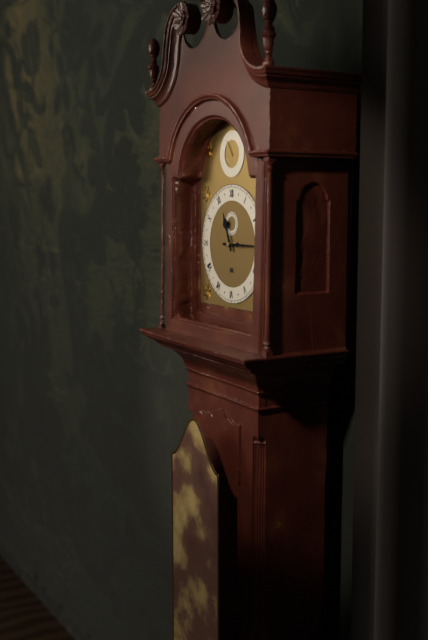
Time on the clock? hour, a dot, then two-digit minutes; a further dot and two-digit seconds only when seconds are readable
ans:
11.15
